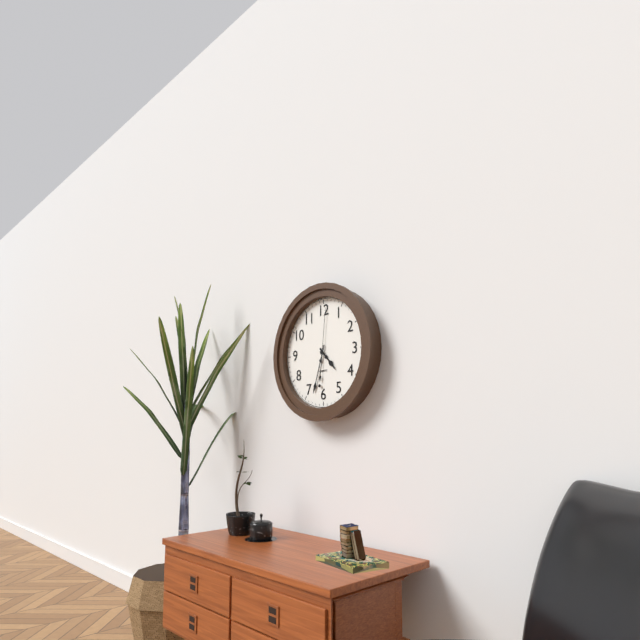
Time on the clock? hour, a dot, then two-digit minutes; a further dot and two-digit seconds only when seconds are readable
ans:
4.33.01
